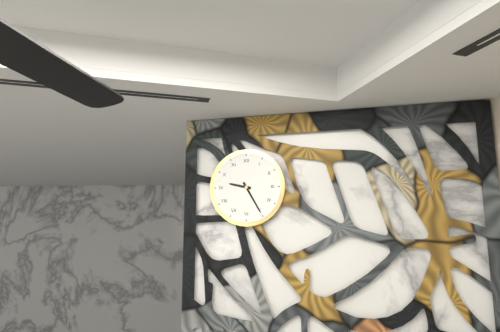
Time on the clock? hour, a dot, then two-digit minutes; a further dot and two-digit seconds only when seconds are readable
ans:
9.25
